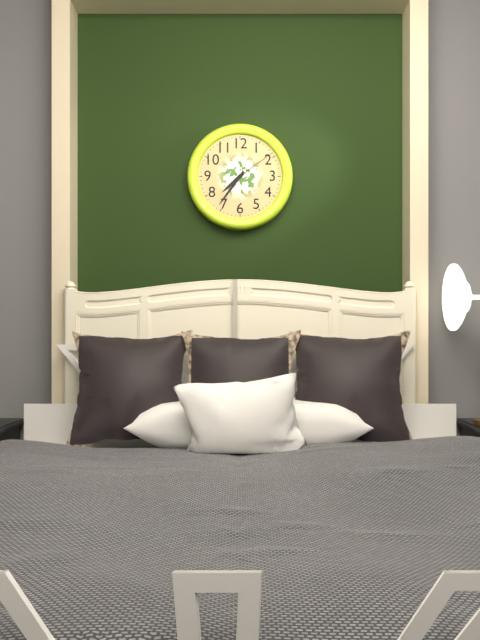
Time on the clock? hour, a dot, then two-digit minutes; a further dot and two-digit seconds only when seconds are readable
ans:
7.36.09
